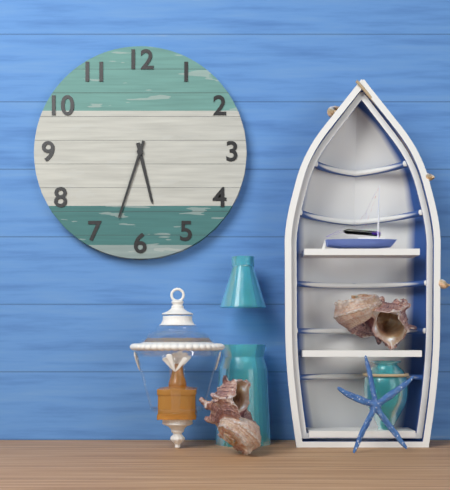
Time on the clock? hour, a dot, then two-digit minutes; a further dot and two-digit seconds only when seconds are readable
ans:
5.33
